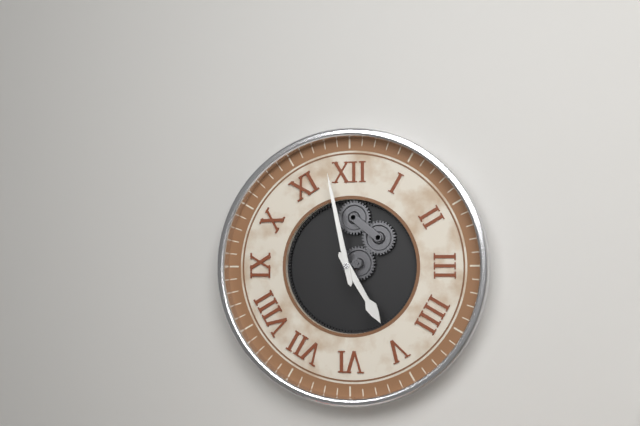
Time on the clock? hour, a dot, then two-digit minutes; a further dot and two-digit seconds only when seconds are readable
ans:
4.58
